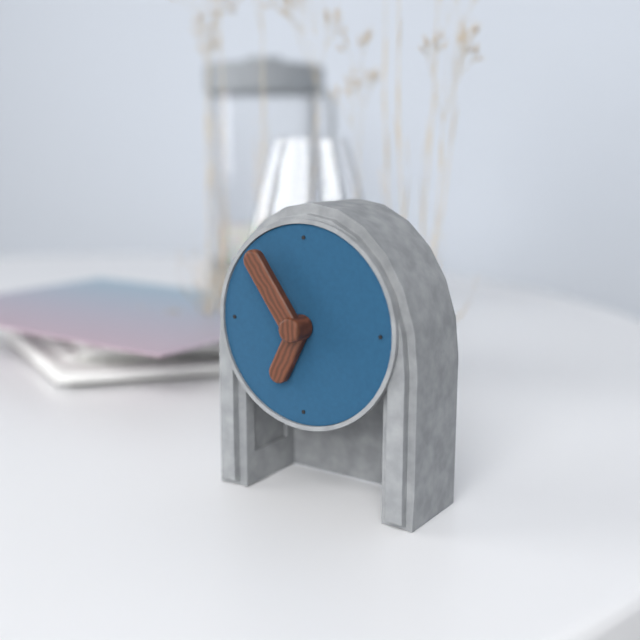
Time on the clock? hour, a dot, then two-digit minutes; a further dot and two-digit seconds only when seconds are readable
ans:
6.54
